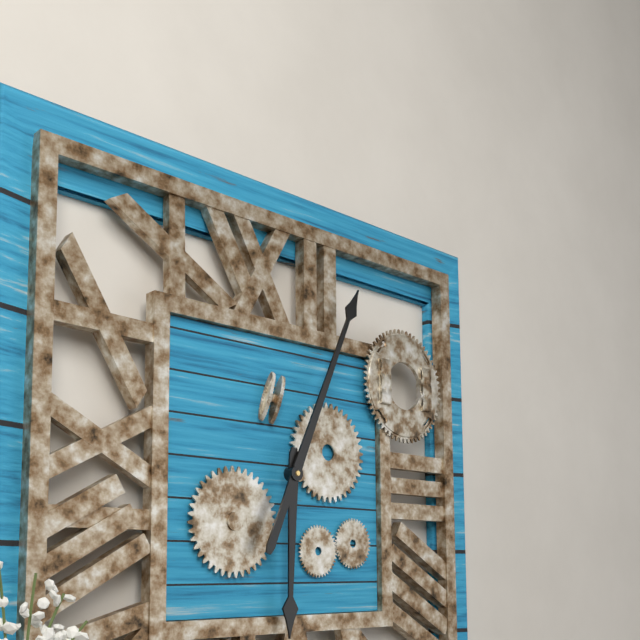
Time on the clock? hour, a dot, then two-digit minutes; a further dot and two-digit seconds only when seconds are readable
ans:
6.04
